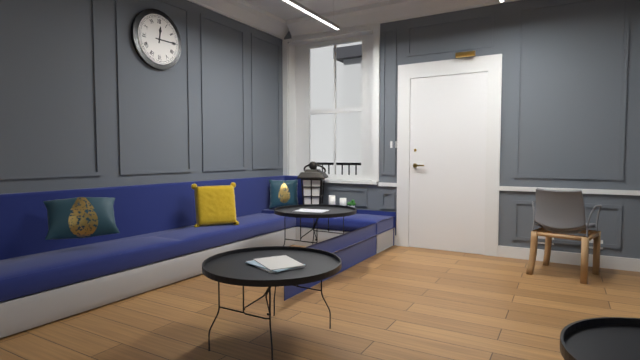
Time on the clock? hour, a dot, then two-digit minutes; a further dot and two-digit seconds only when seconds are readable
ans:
12.15
